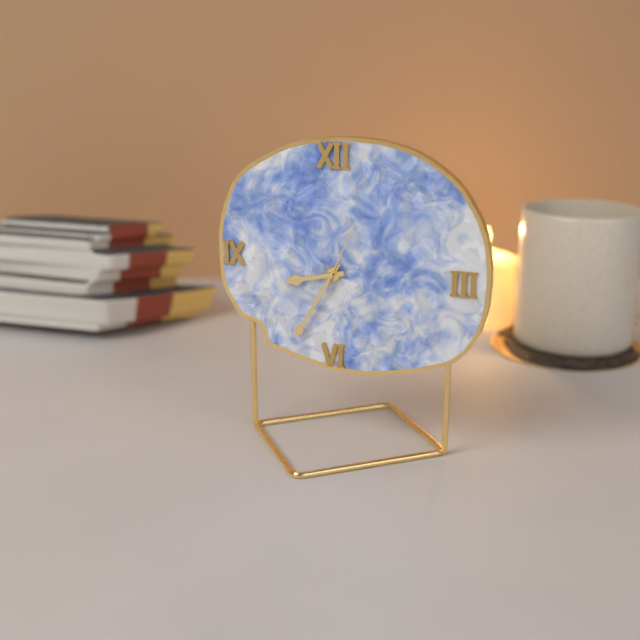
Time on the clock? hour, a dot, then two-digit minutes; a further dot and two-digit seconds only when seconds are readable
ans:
8.35.04
